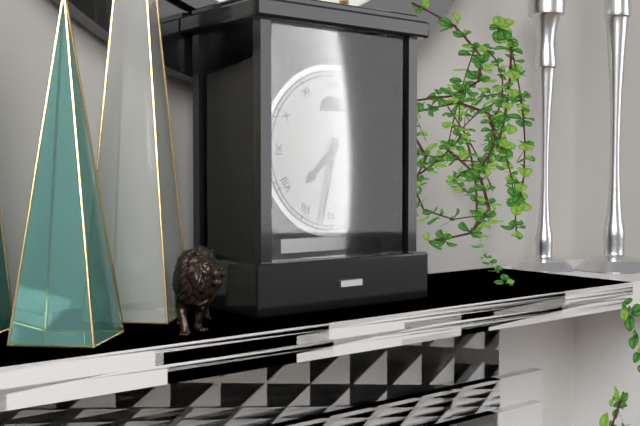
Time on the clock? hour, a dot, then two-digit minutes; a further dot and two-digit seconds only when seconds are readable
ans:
7.32
